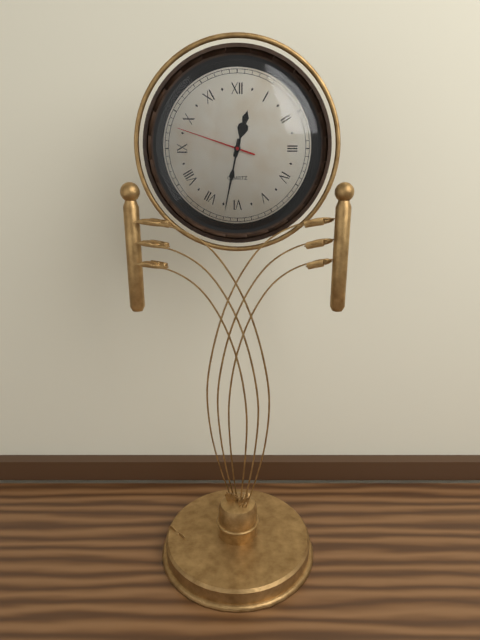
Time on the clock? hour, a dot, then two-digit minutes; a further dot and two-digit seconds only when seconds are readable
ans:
12.32.48
